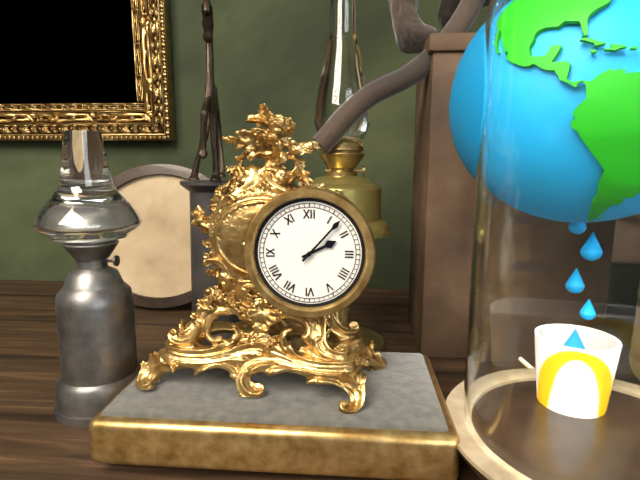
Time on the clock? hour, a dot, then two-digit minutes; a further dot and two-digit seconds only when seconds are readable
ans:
2.07
